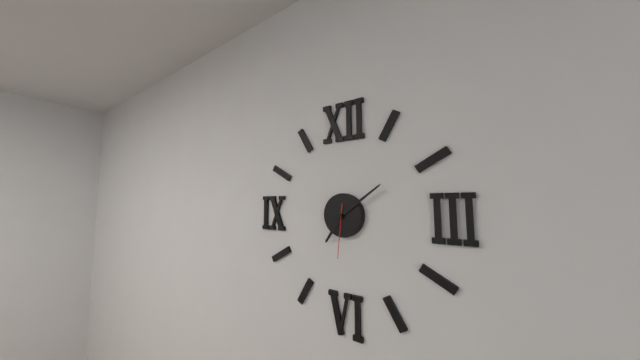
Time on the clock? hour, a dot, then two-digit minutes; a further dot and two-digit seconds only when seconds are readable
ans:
7.09.31
